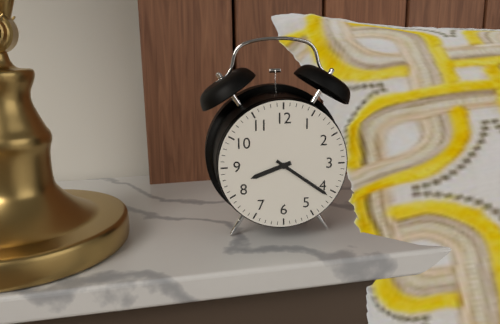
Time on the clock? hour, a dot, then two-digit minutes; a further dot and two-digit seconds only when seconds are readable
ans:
8.21
